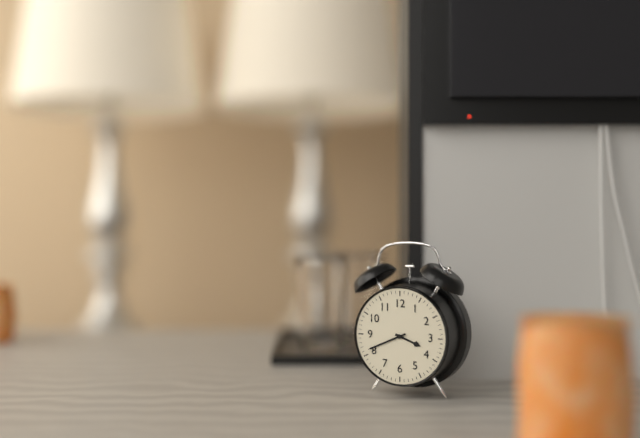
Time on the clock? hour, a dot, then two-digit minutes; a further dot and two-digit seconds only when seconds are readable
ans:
3.41
